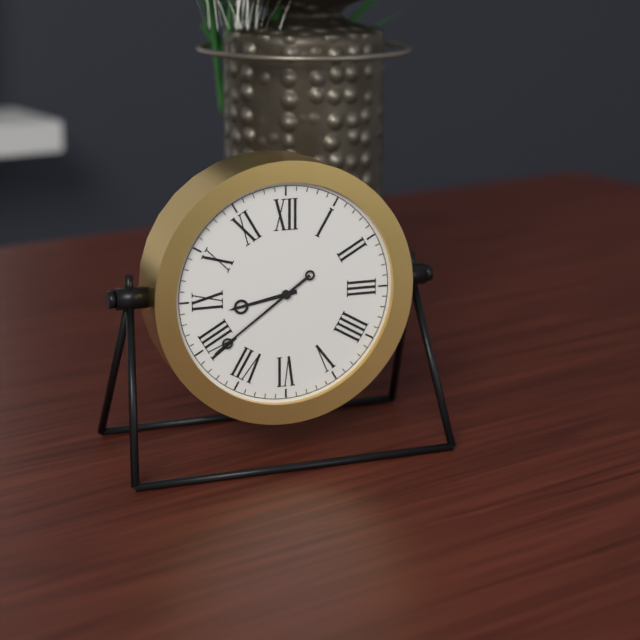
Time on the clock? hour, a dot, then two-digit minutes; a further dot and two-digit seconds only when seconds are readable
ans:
8.39
